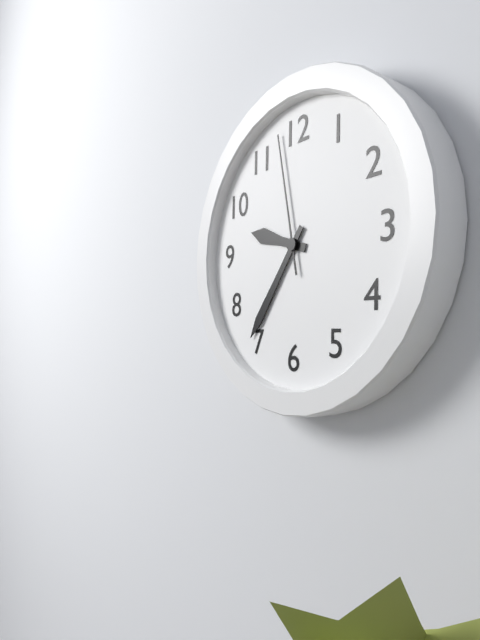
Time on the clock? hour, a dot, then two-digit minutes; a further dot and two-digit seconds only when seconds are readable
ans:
9.36.58
